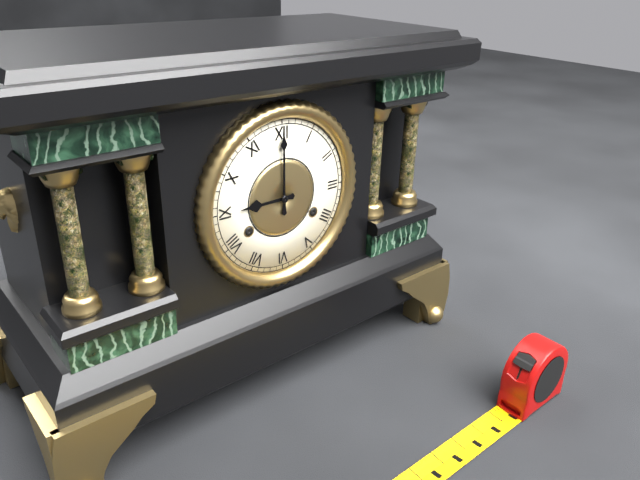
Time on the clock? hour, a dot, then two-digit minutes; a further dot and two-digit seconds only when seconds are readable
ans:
9.00
